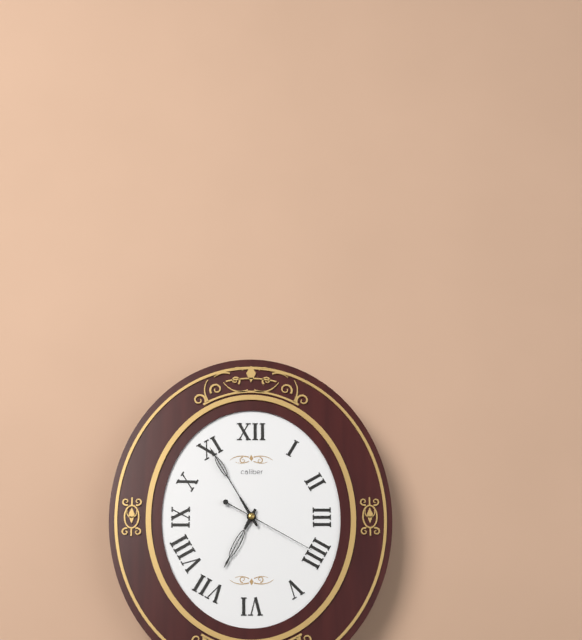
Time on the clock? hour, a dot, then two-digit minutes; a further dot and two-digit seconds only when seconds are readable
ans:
6.55.20
